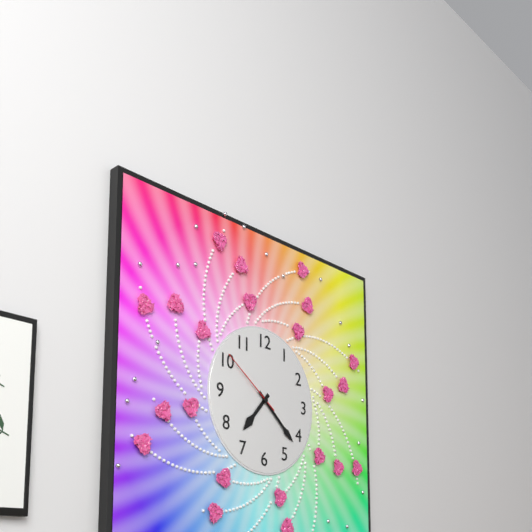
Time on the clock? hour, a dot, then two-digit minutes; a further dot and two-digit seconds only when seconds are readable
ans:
7.22.51
